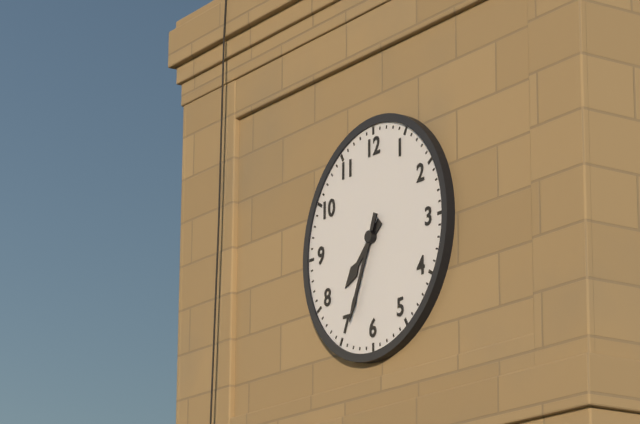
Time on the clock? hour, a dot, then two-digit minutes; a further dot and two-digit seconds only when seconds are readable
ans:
7.34
